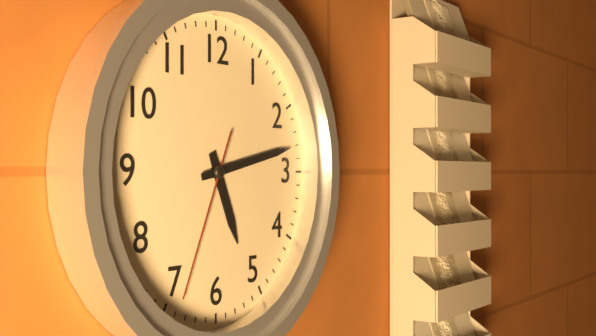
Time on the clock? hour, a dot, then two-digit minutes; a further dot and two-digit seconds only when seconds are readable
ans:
5.13.34
